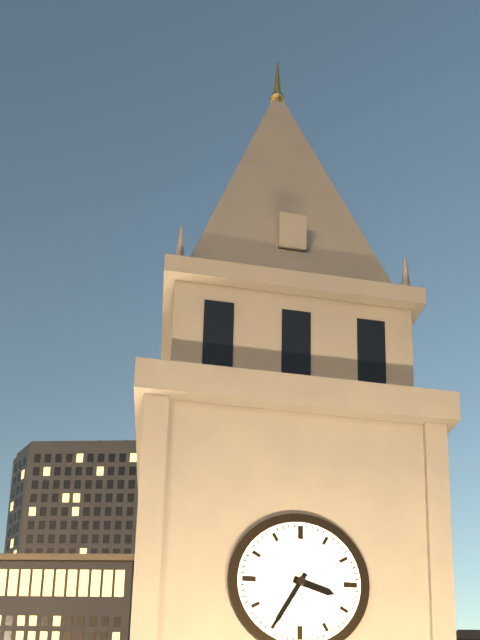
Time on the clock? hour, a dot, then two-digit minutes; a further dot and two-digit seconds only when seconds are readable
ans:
3.35
